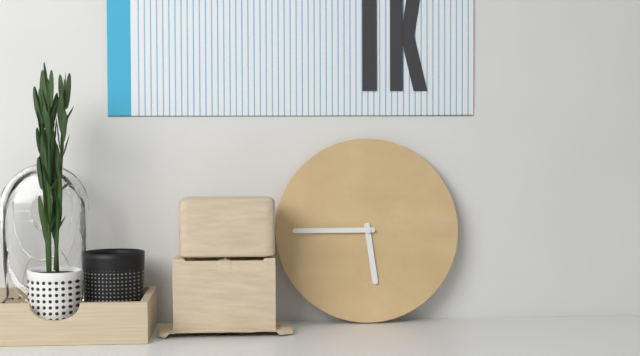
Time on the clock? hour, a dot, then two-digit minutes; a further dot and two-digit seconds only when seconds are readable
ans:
5.45
